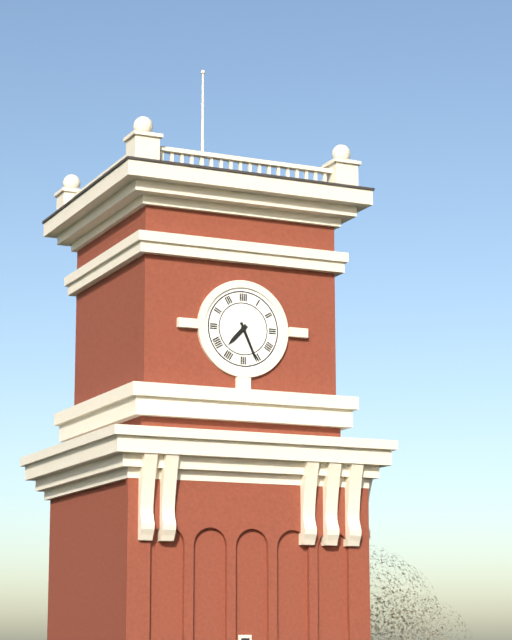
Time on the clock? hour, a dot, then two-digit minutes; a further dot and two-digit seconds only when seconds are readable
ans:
7.26
